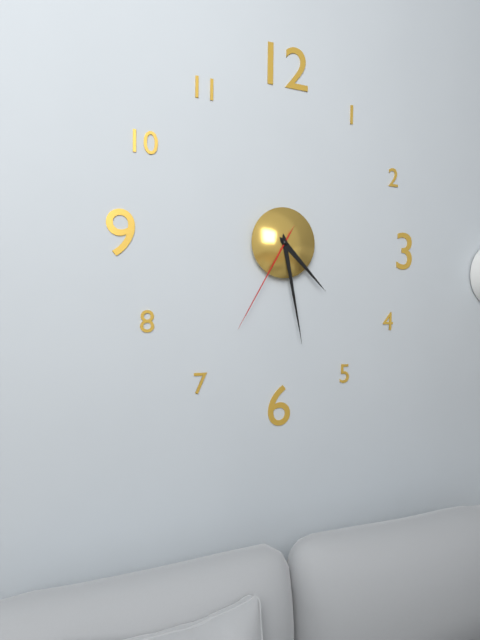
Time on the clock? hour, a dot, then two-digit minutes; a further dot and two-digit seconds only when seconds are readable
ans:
4.28.35
